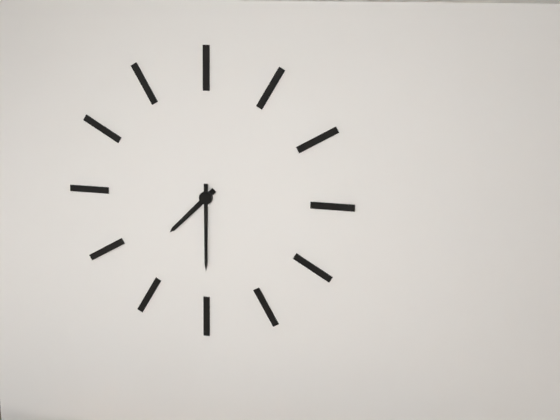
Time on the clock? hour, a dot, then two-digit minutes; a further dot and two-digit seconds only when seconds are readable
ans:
7.30
